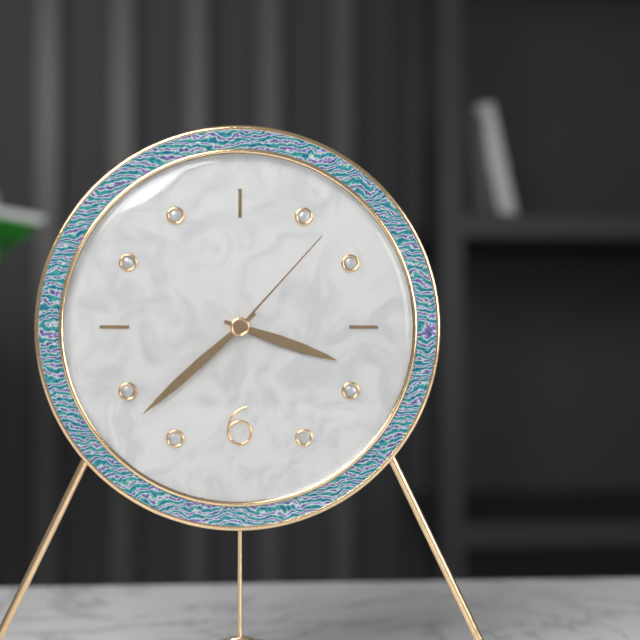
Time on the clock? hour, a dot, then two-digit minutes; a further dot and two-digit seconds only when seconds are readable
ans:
3.38.07
